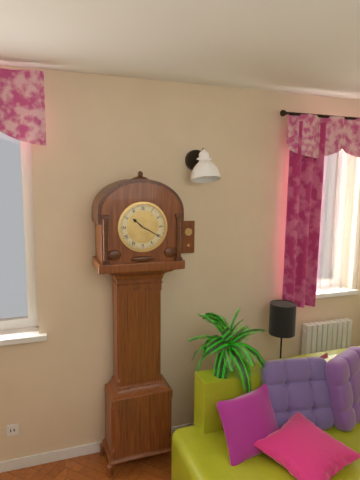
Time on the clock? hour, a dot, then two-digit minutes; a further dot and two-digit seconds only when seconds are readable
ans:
10.20
